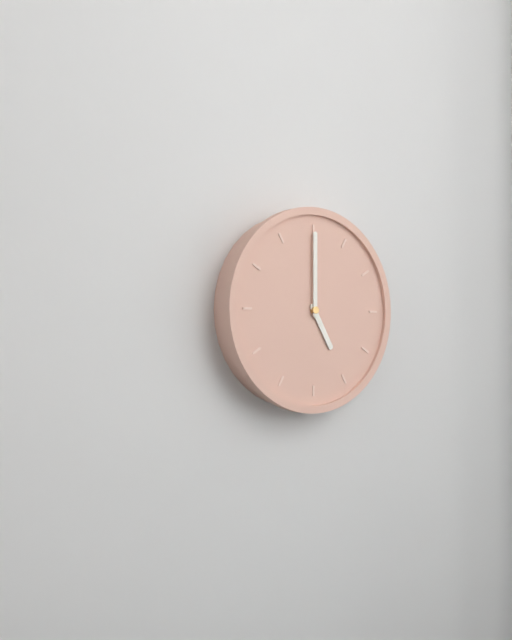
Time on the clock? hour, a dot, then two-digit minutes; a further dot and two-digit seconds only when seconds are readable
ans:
5.00
